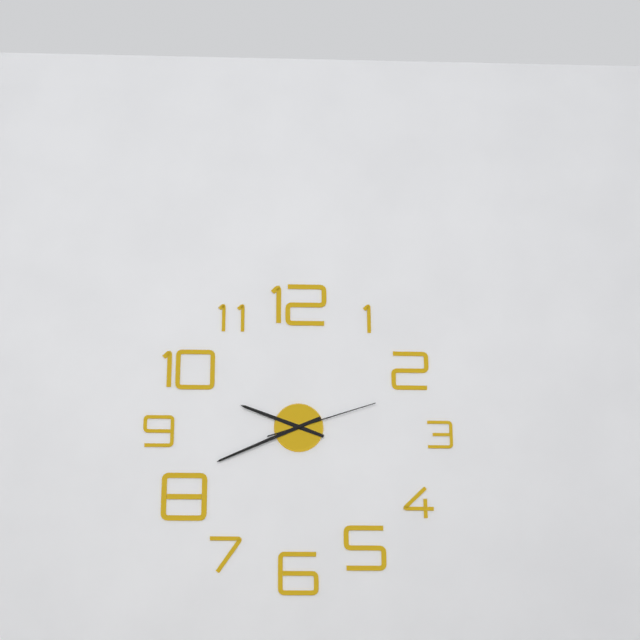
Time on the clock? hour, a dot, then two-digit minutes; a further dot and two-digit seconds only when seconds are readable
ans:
9.41.12
